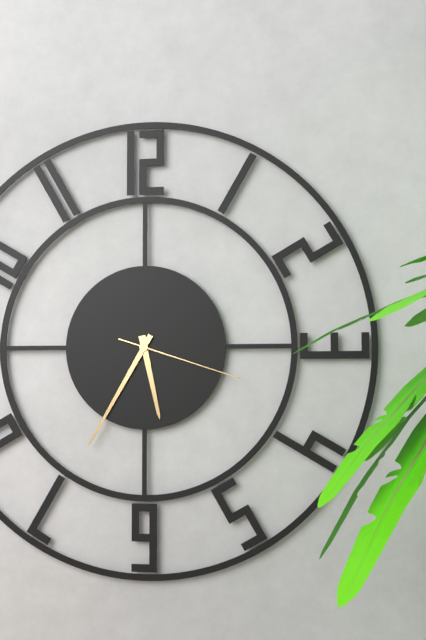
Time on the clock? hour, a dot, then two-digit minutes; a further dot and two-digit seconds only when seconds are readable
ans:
5.35.18
